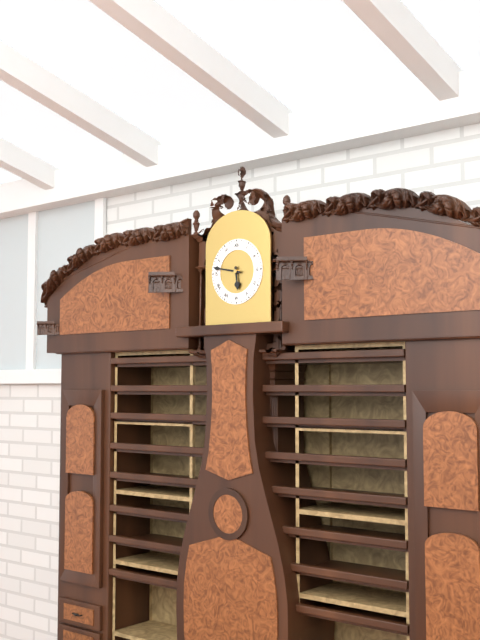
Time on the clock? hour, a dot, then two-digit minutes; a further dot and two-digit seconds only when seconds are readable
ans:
5.47
